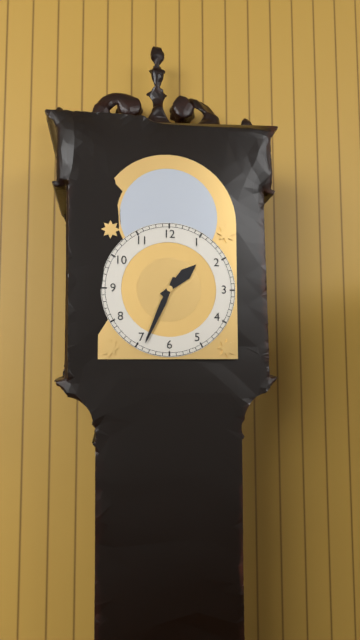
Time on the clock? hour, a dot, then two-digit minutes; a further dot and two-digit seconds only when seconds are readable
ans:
1.34
